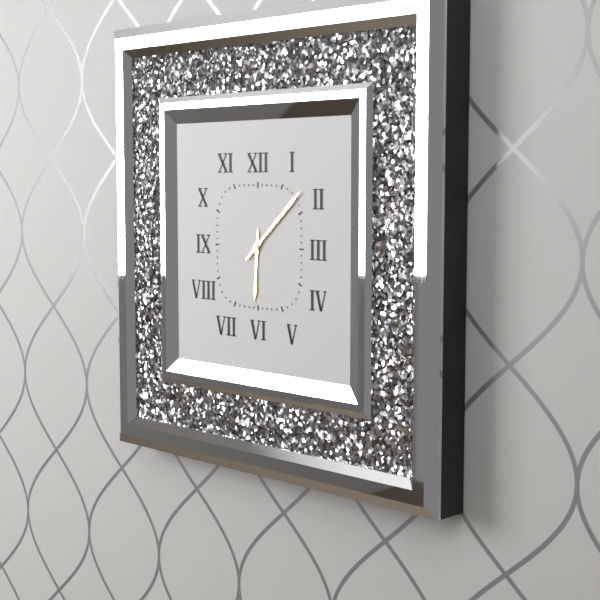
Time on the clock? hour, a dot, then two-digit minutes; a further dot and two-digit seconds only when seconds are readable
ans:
6.08
